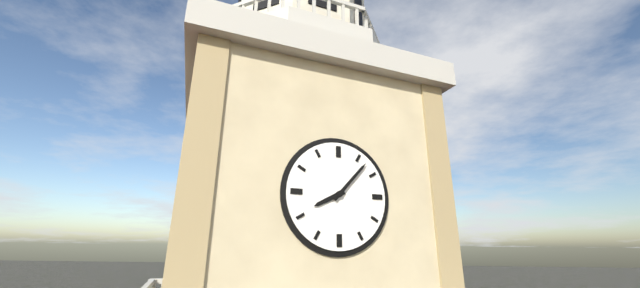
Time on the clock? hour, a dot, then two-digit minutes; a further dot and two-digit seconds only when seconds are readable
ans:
8.07
